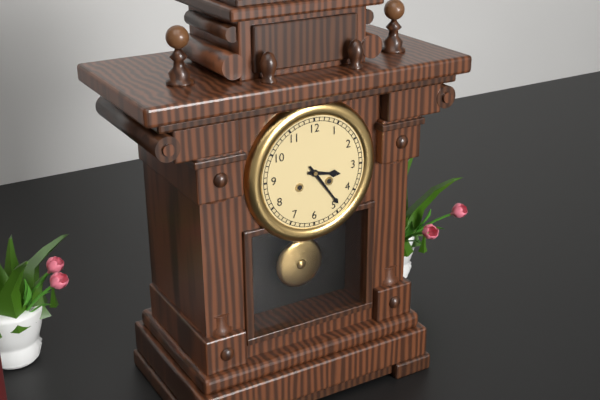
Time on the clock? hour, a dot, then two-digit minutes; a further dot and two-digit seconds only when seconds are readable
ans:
3.24
